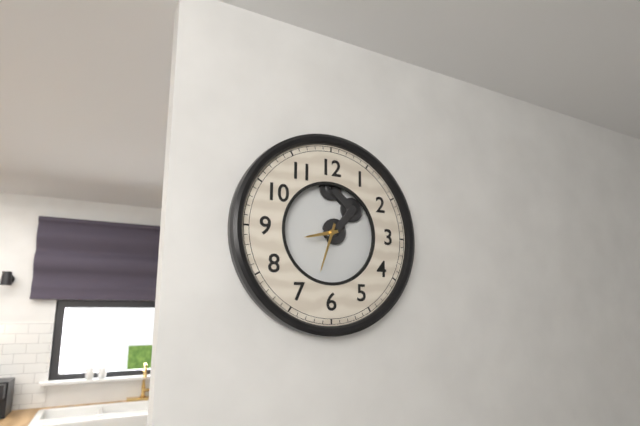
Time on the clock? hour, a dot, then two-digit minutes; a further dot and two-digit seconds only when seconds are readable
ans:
8.33
